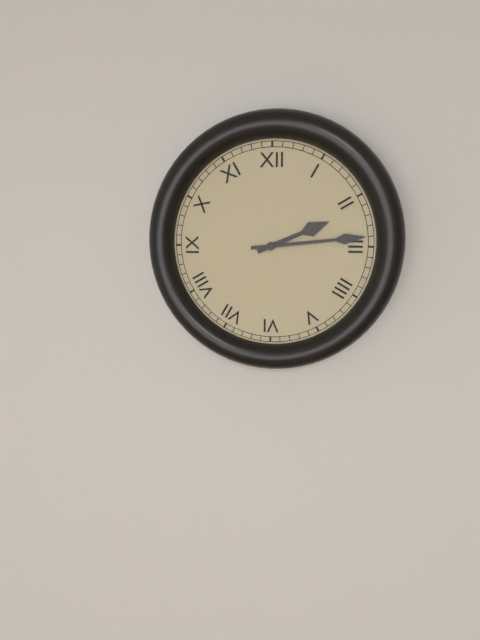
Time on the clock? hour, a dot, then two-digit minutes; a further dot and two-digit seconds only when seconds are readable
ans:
2.14
